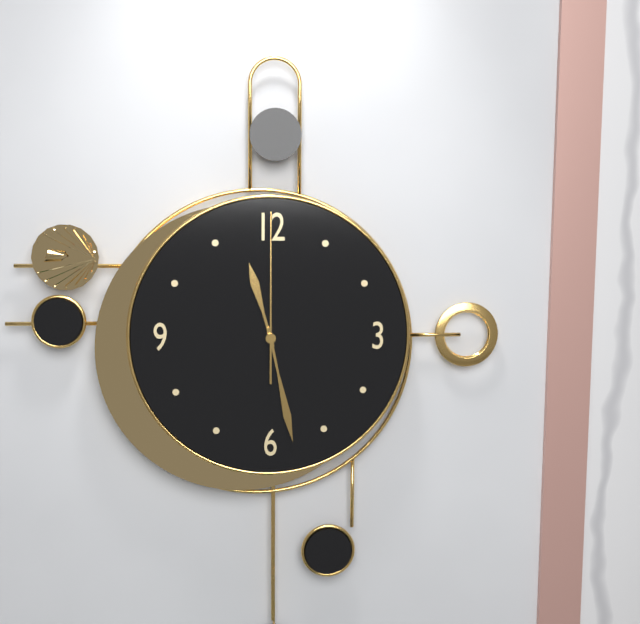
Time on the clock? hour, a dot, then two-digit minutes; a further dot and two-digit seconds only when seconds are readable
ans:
11.28.00
